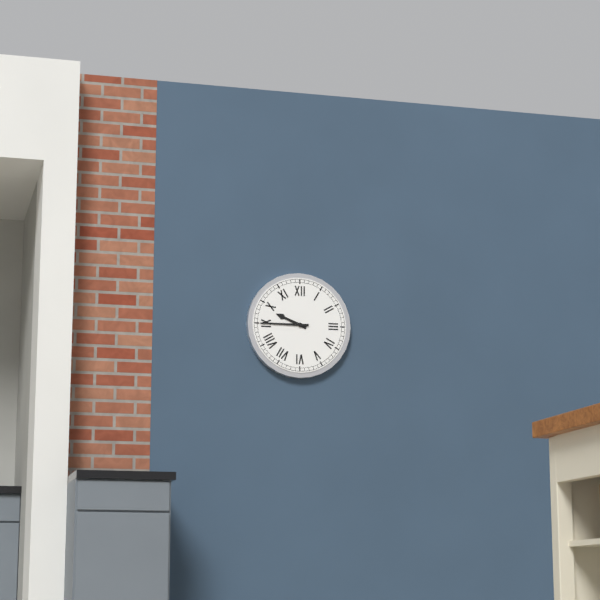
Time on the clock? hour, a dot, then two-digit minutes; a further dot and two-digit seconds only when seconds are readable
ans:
9.45
